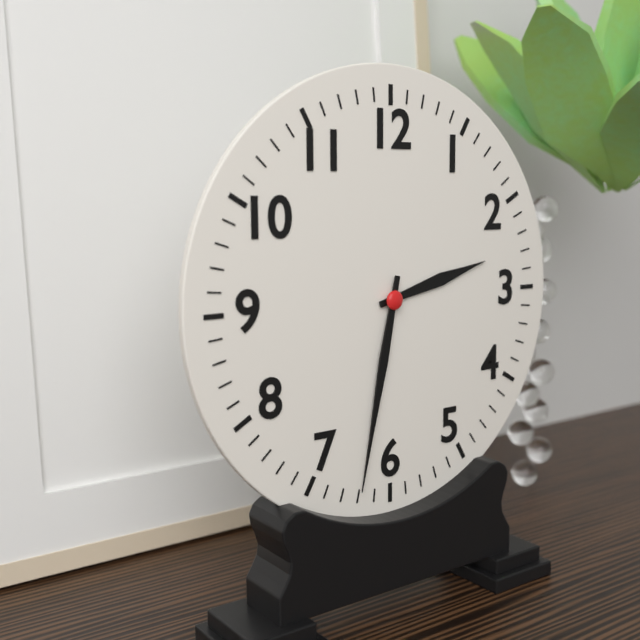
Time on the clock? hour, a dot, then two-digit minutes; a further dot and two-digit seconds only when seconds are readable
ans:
2.32
